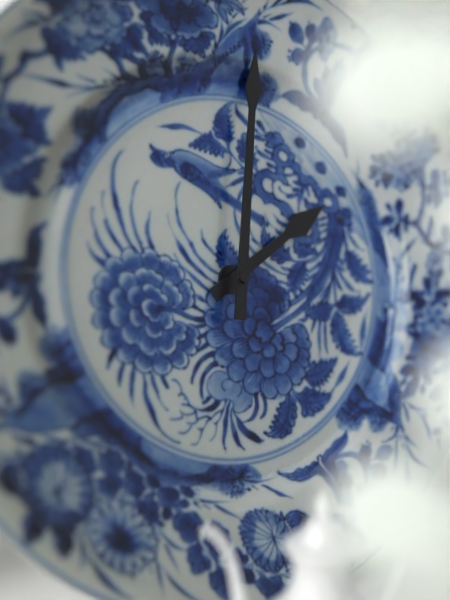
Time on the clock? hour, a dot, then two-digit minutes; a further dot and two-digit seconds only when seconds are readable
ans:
2.02
